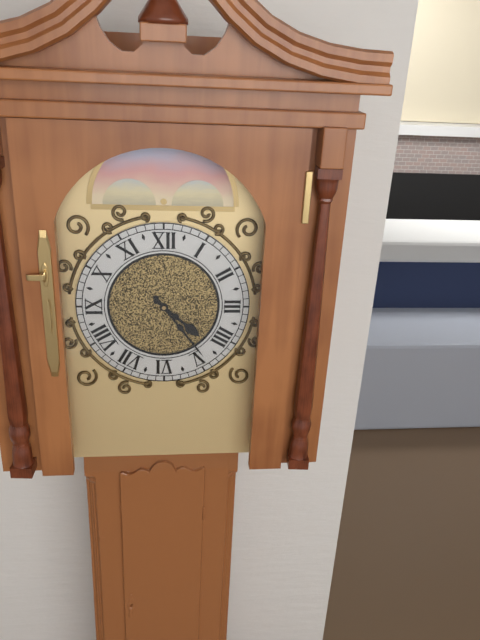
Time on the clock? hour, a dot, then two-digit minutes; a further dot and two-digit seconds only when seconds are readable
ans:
4.24
